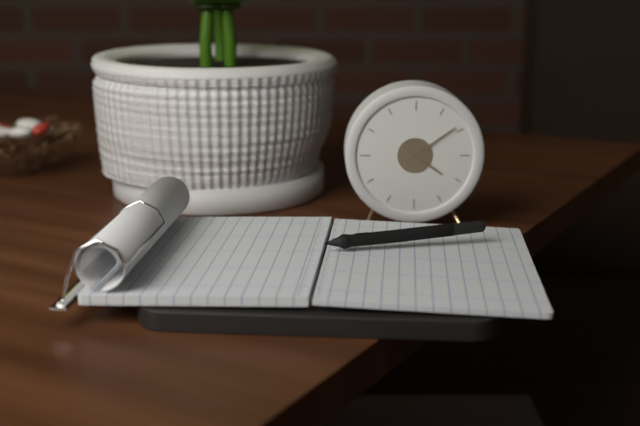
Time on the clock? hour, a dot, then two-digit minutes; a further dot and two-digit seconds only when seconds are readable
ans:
4.09
